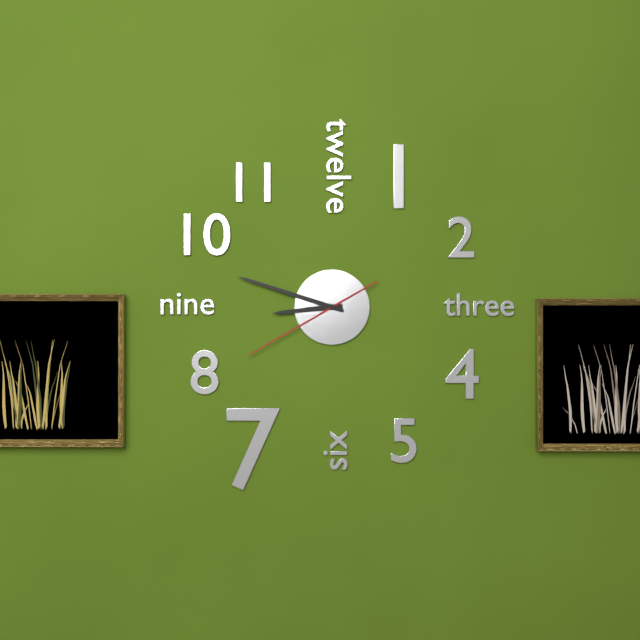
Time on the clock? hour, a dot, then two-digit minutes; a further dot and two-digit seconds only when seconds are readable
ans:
8.48.40
